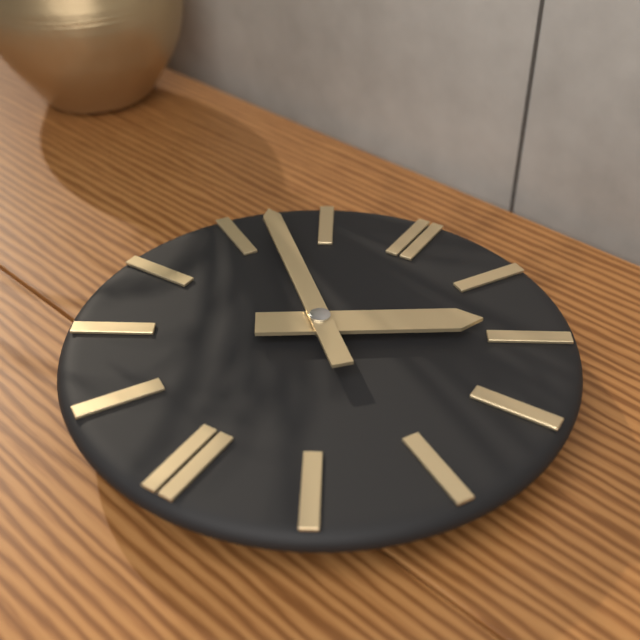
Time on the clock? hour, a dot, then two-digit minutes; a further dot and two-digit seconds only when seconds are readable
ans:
1.52
